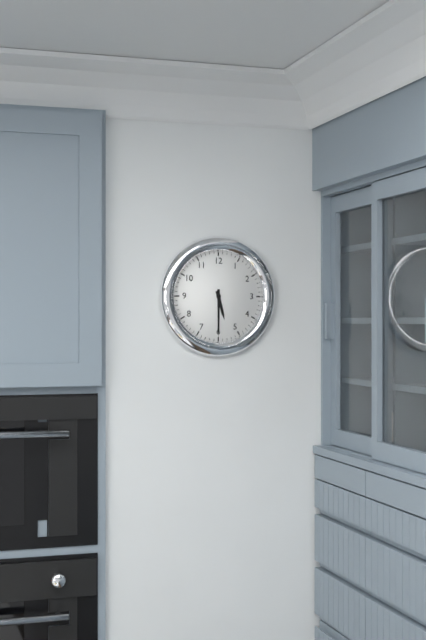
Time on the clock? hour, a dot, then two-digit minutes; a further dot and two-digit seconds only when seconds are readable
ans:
5.30
